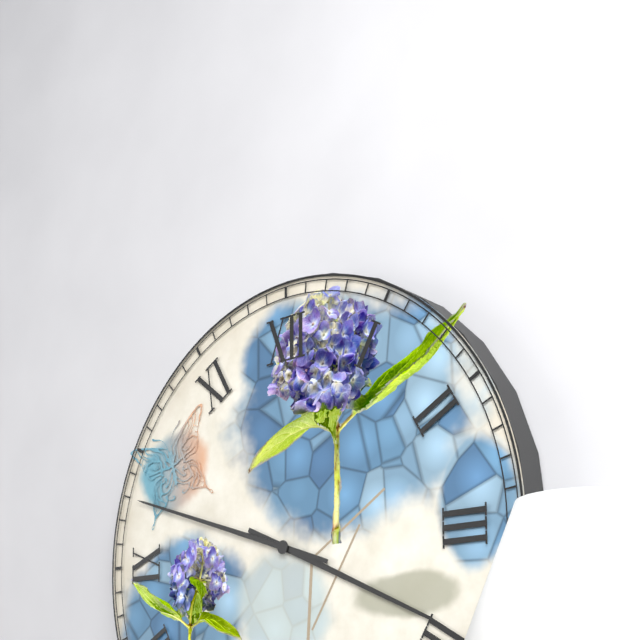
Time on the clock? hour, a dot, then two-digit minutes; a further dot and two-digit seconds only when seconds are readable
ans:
3.48
